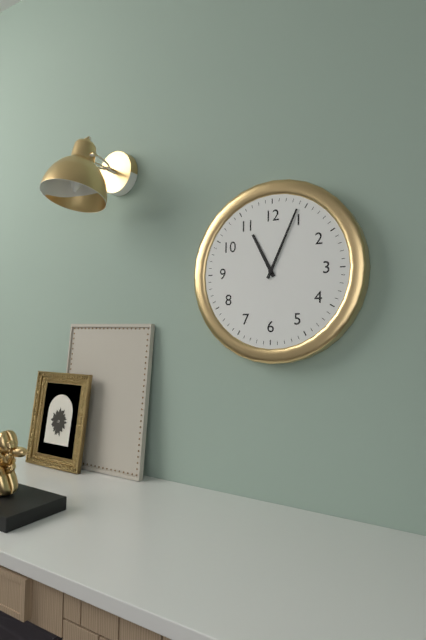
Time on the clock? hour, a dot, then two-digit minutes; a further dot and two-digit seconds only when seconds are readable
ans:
11.04
